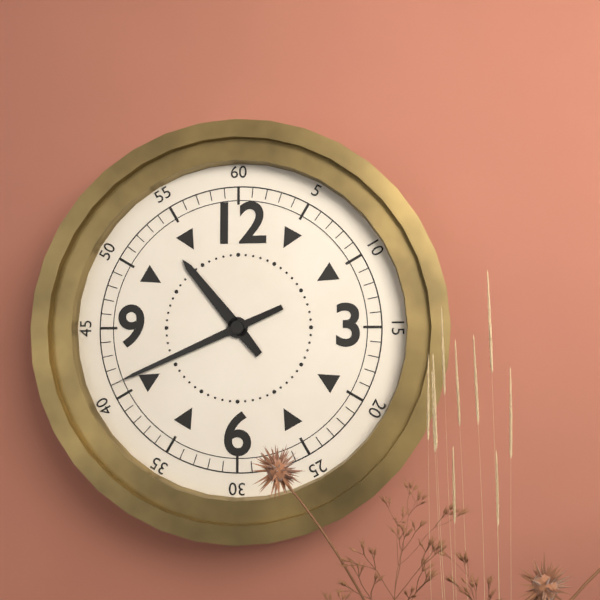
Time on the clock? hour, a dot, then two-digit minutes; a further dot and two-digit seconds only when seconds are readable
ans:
10.41
